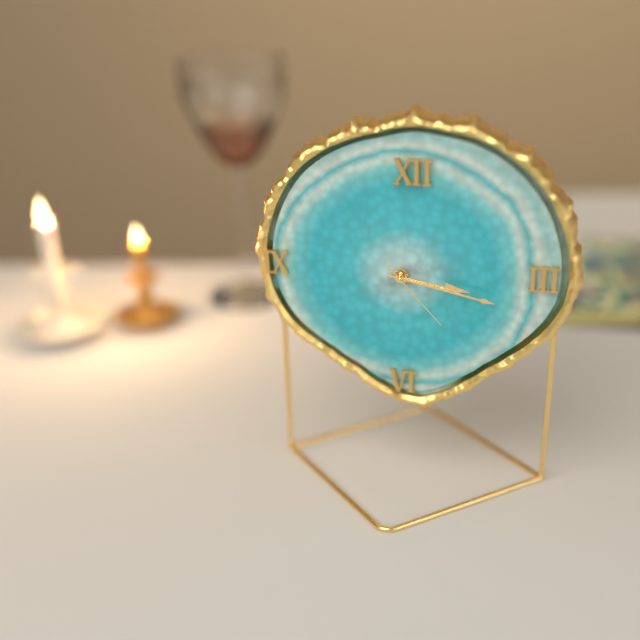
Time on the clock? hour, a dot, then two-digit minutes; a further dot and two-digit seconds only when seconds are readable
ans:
3.17.23
